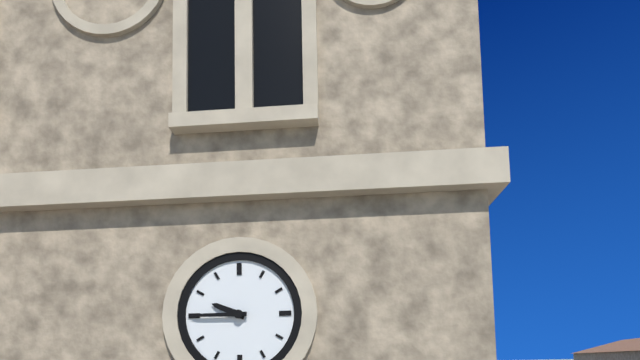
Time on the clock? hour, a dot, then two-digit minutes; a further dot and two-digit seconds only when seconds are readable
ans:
9.45
